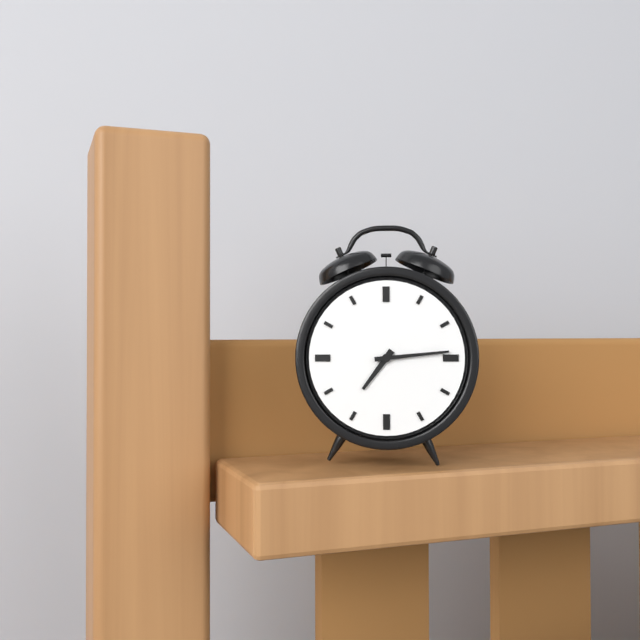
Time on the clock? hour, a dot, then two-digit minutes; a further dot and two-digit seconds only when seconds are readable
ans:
7.14
